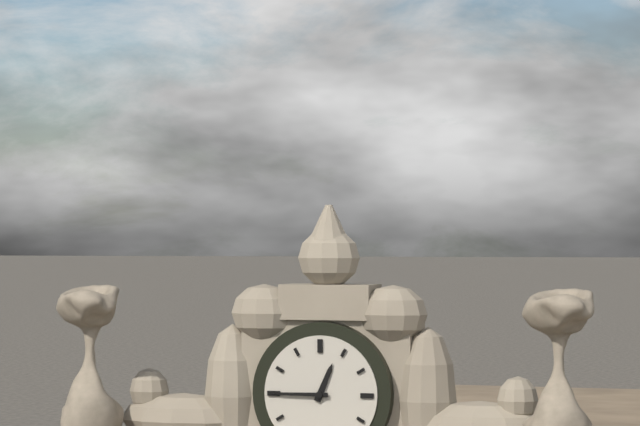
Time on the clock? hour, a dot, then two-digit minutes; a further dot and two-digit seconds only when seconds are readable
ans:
12.45
